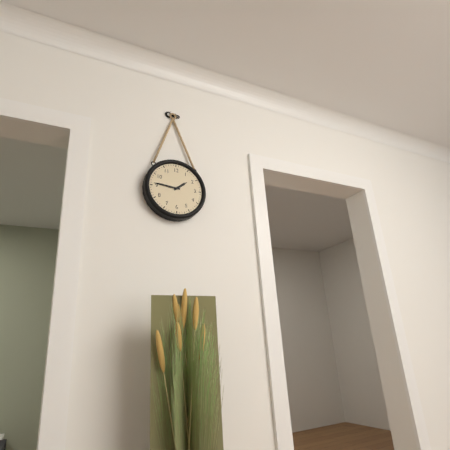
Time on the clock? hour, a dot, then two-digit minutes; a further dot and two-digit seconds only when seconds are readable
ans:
1.46
